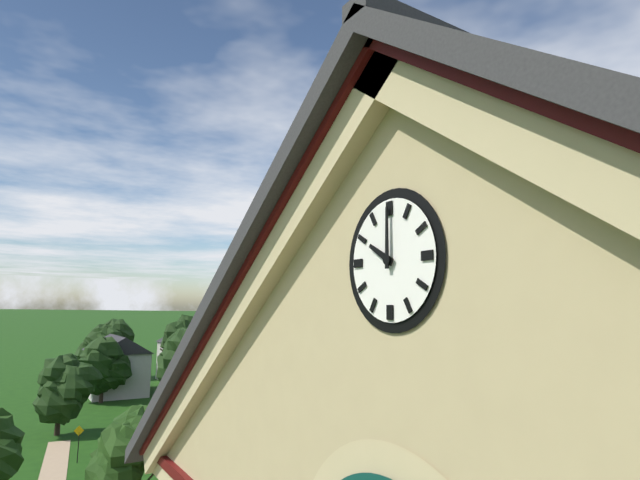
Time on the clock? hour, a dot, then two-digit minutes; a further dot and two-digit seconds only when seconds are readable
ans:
10.00
